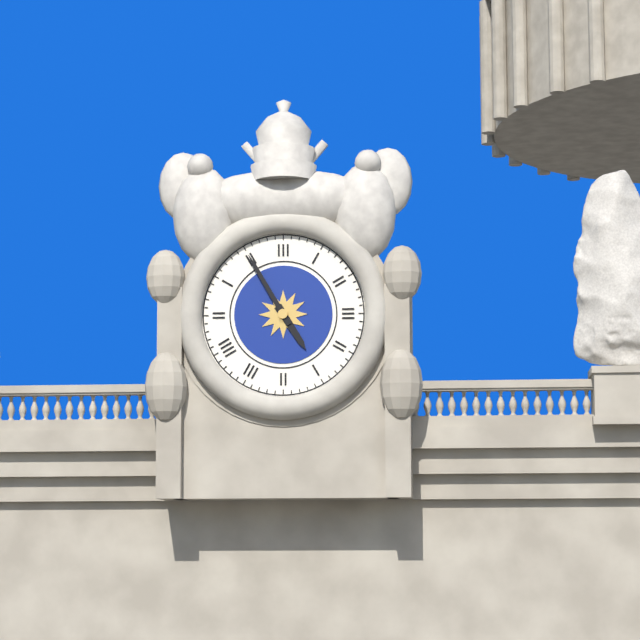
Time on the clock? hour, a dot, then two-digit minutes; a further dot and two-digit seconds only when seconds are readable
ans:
4.55
